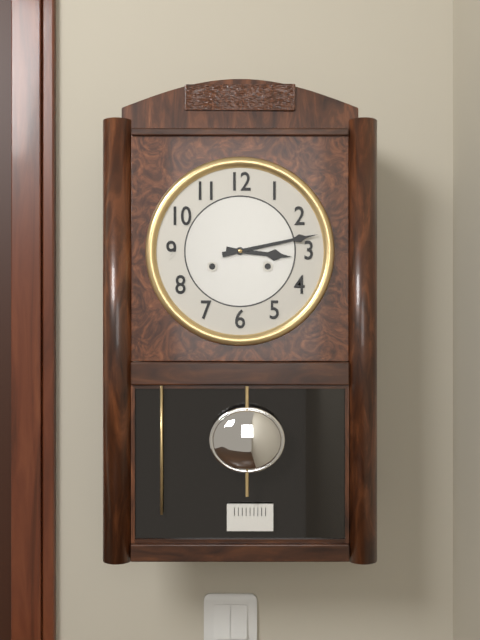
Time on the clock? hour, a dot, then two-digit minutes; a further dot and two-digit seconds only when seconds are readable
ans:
3.13
